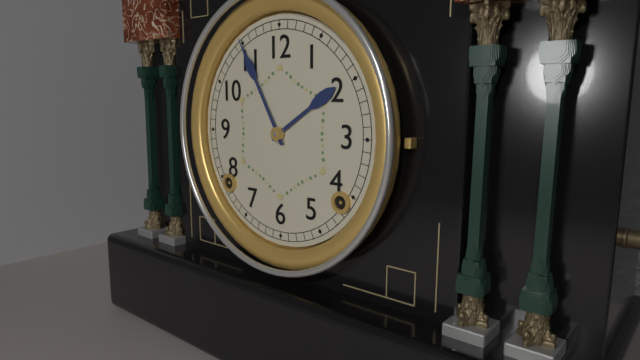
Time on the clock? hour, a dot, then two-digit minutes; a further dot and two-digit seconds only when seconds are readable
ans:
1.55
